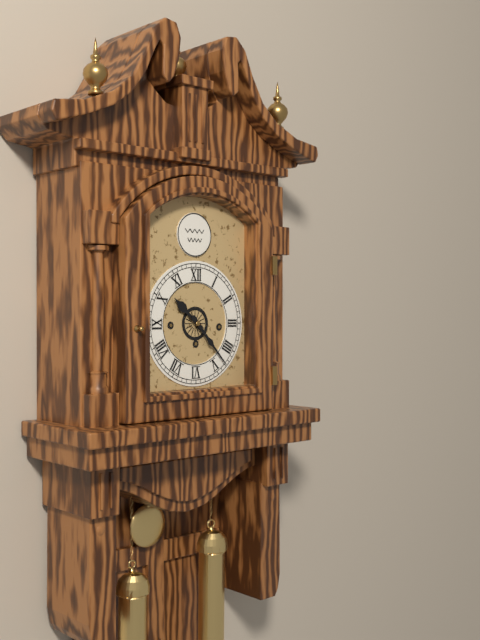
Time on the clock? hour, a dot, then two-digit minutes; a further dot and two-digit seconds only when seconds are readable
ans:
10.23
